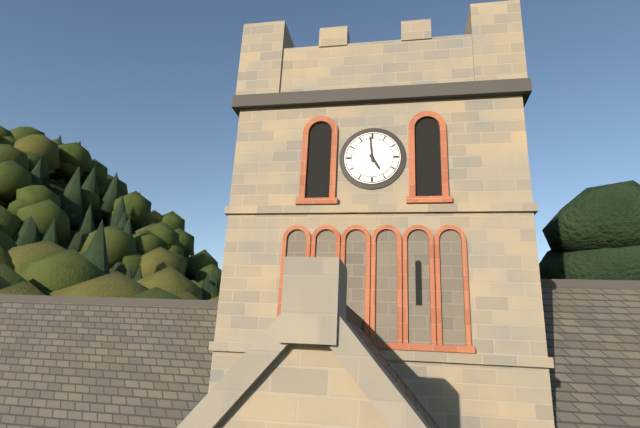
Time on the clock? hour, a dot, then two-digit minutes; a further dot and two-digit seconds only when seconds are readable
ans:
4.59
